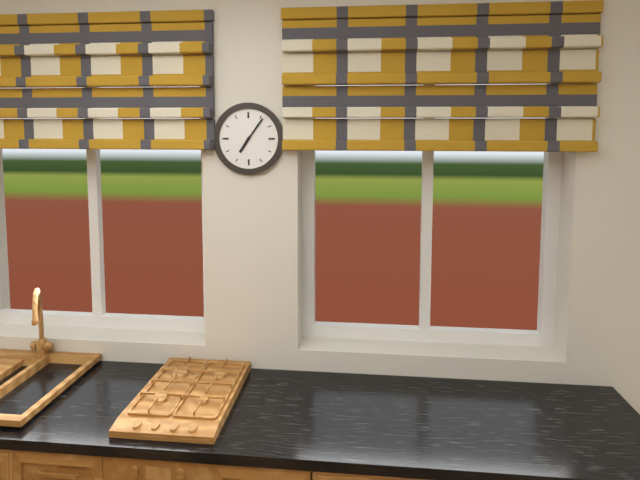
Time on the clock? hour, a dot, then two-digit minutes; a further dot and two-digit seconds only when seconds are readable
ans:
7.06
